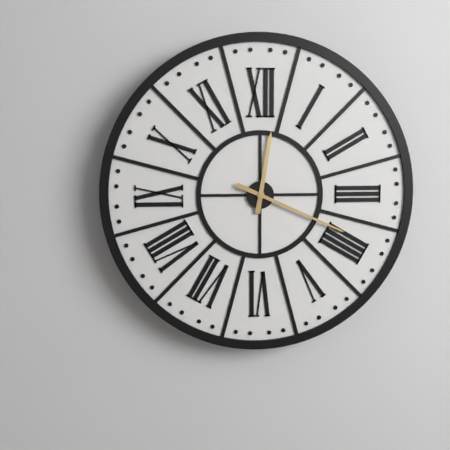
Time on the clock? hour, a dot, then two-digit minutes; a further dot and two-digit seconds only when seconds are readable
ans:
12.19
